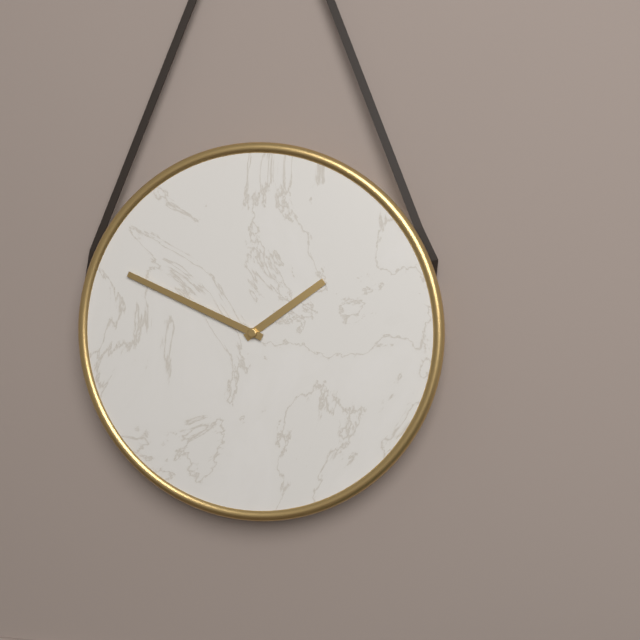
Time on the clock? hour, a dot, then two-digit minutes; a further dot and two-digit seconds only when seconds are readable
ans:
1.49
